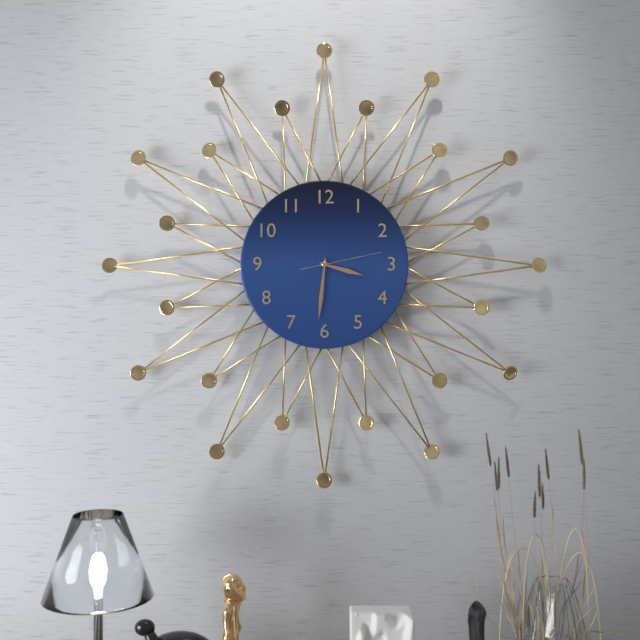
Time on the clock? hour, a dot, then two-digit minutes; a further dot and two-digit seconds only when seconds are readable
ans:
3.31.13
